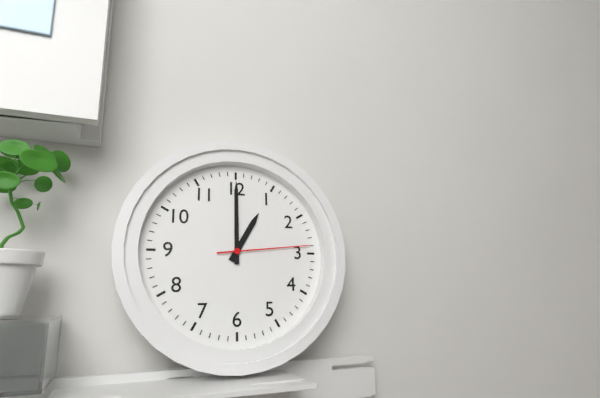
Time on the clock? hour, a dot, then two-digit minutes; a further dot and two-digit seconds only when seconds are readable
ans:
1.00.14
